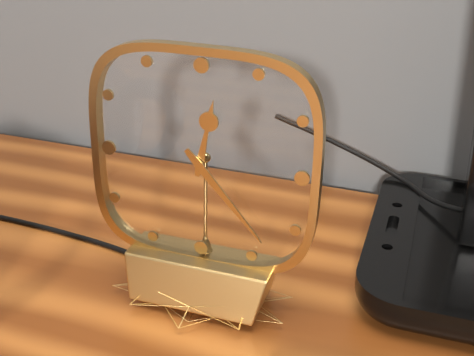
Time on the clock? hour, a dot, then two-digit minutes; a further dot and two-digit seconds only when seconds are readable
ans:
12.23
